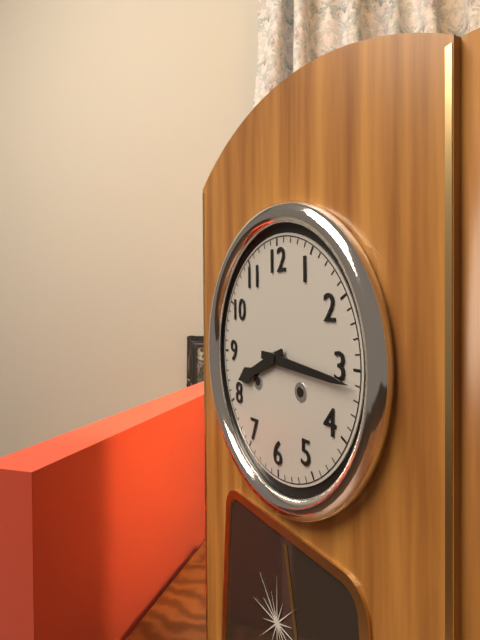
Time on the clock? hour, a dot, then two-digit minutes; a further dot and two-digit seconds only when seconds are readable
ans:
8.16
